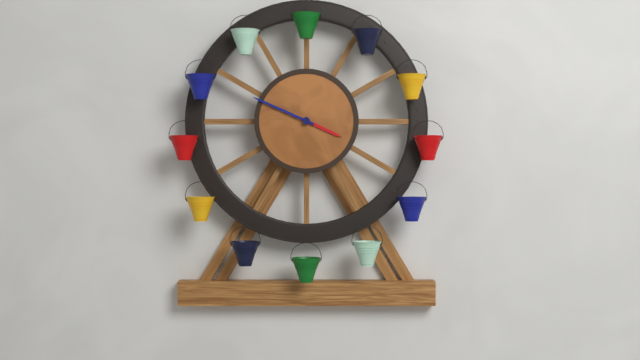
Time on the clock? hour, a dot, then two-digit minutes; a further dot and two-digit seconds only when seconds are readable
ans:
3.49
